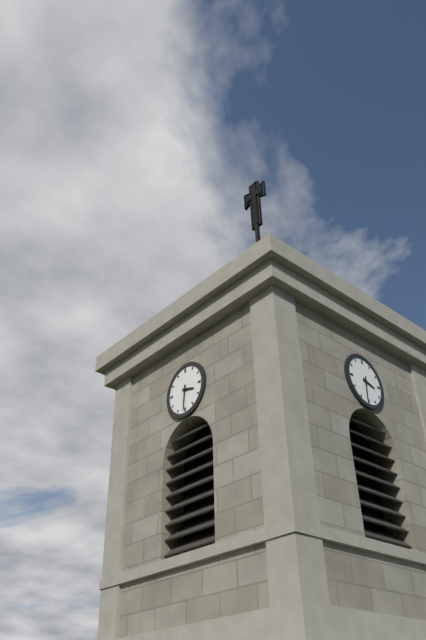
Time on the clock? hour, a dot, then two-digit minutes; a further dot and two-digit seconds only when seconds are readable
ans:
3.31
